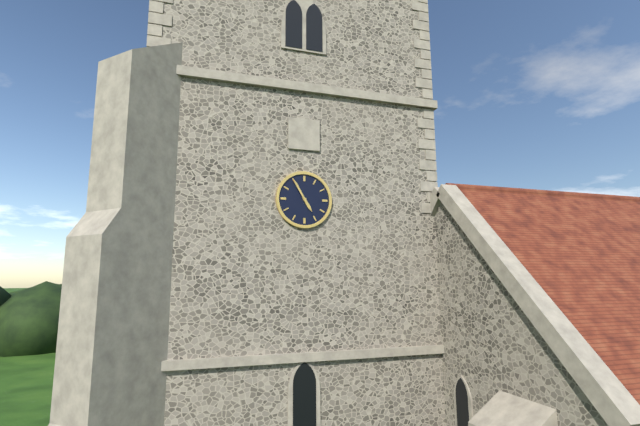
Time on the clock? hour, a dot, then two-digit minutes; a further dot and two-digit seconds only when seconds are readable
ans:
4.55
